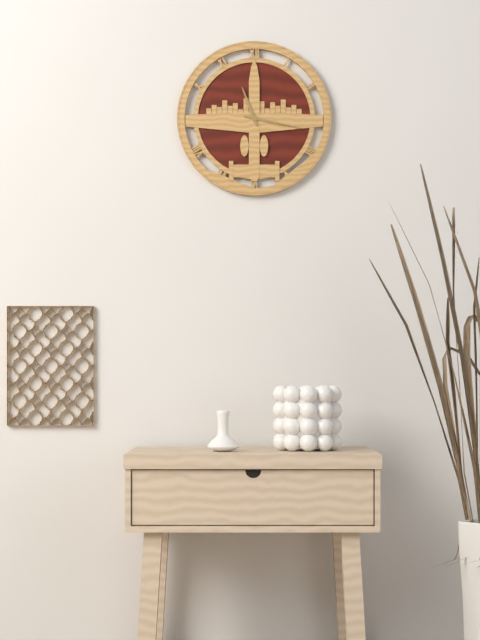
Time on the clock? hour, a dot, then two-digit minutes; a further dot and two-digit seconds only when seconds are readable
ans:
11.17
